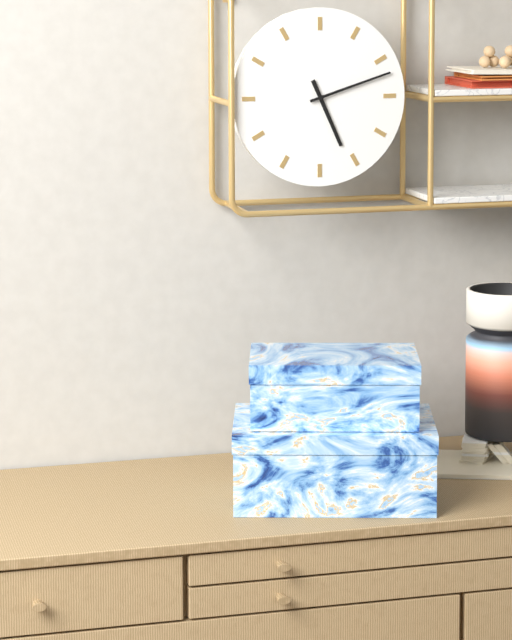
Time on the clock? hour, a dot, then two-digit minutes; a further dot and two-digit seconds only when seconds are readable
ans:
5.12
